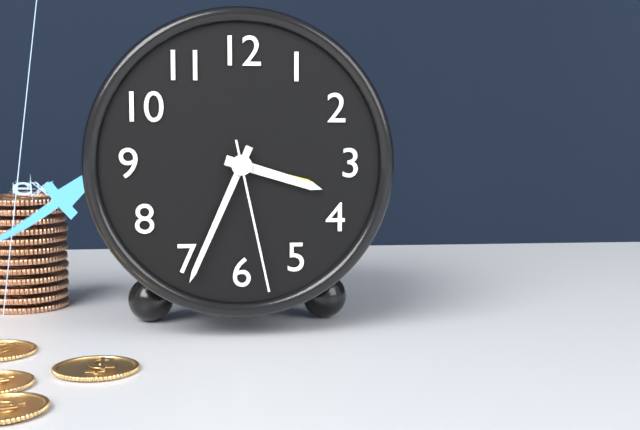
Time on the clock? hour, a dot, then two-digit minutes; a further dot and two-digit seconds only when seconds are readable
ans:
3.34.28
